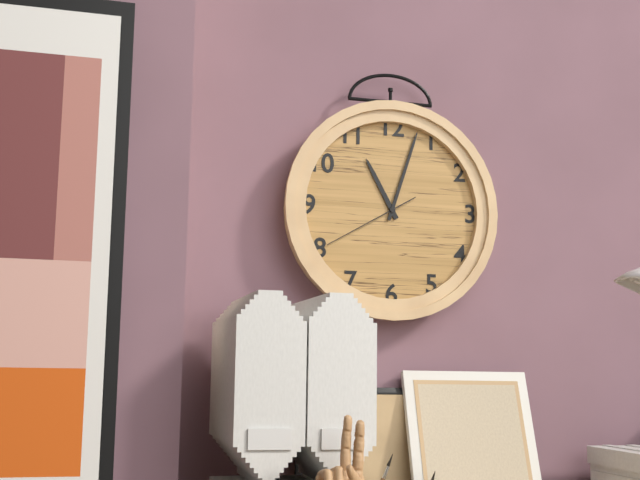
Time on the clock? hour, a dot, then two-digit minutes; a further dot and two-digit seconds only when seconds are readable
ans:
11.03.40
